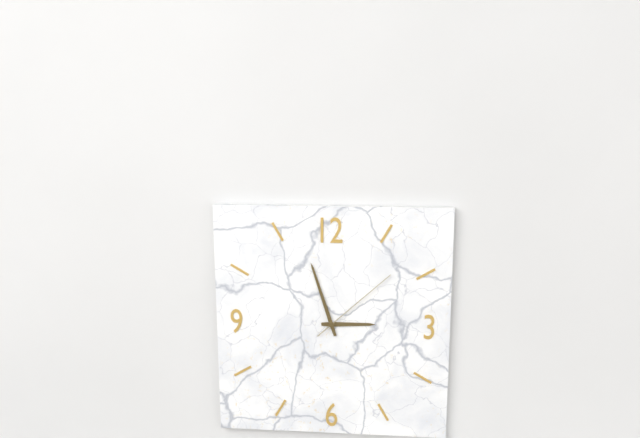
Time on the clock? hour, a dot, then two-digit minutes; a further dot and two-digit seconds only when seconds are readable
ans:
2.57.08
